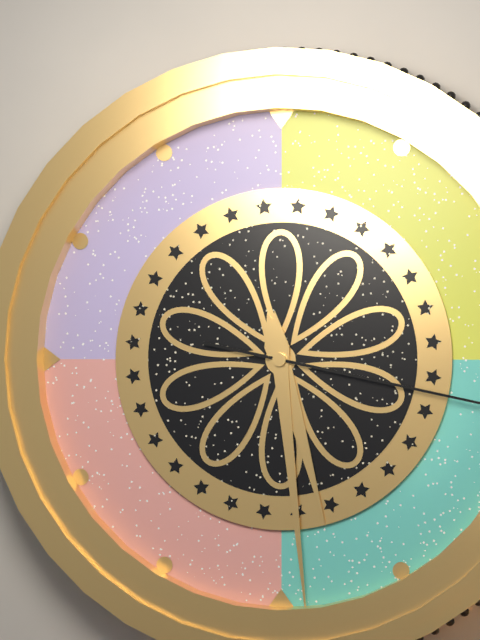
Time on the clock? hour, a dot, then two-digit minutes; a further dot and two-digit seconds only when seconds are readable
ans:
5.29
